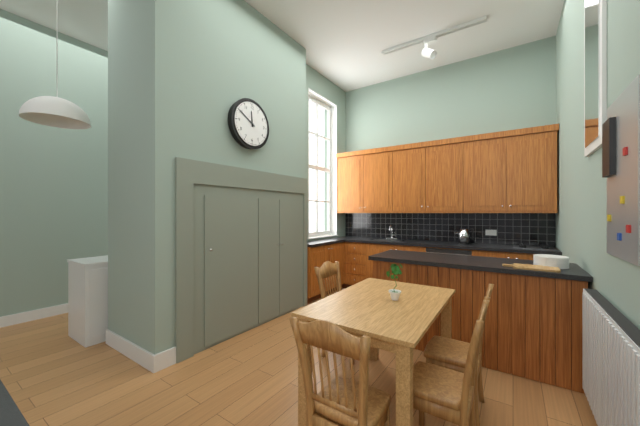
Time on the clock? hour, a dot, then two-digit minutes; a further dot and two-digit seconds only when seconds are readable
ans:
11.50
